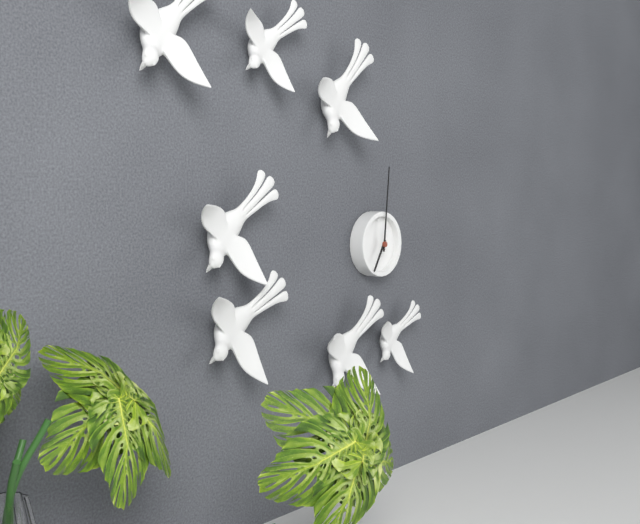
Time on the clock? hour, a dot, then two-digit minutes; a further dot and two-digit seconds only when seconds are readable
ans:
7.01
